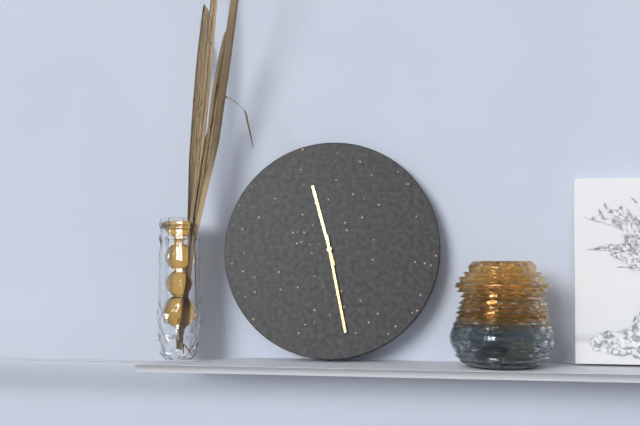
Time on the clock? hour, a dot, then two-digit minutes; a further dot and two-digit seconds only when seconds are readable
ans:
11.28
